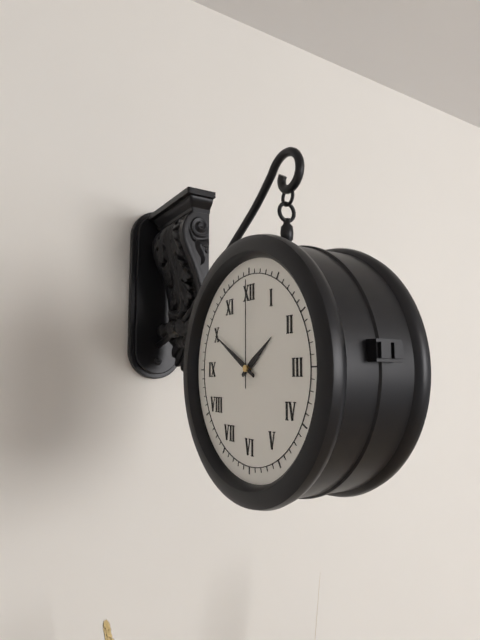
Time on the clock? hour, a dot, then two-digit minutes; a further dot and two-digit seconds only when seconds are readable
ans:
1.50.00
